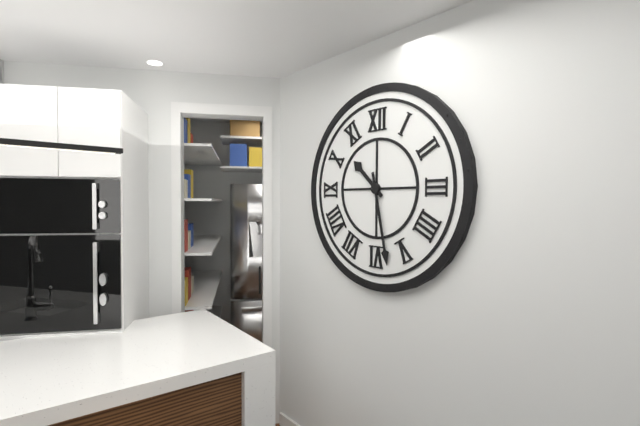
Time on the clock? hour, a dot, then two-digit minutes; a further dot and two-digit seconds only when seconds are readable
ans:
10.28
